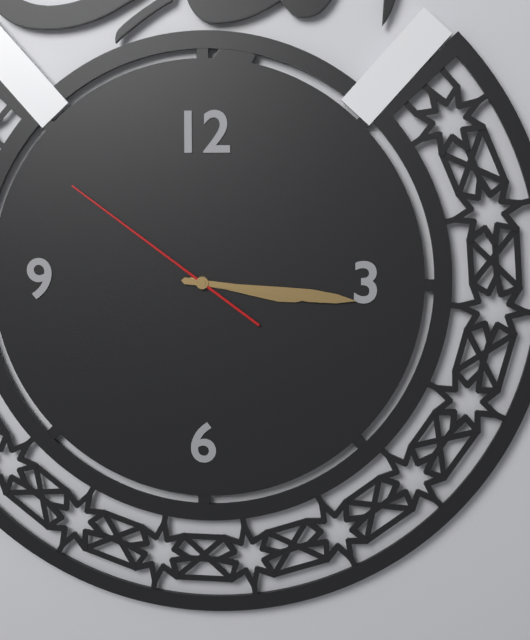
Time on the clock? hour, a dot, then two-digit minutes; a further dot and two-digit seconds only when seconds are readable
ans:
3.16.51
